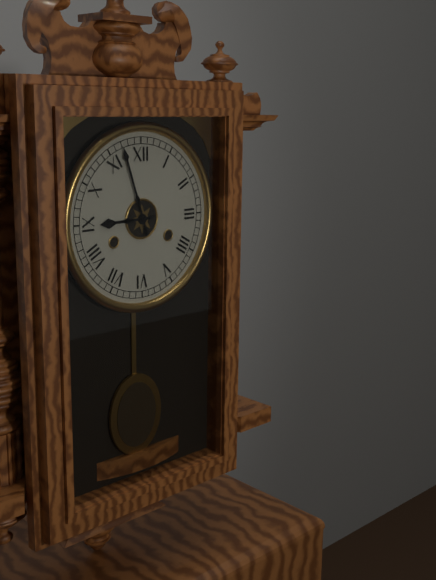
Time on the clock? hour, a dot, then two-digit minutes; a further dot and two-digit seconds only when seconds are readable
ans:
8.57
